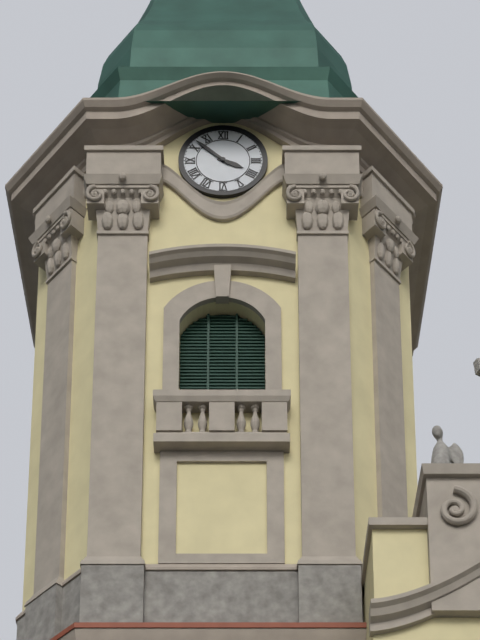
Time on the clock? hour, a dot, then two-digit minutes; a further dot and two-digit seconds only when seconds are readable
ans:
3.52
